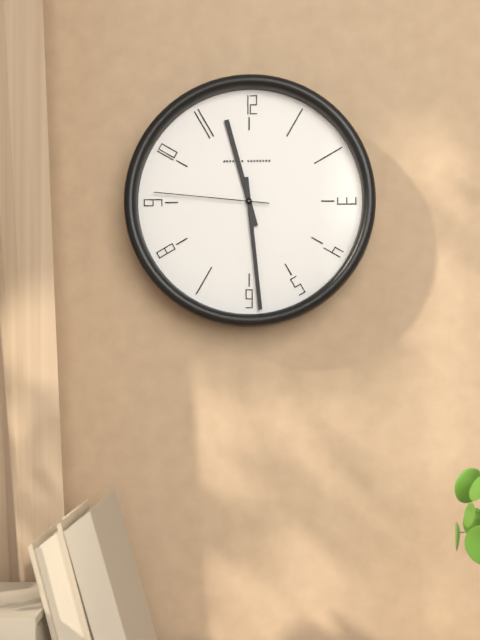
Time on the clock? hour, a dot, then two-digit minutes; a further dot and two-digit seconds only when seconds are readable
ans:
11.29.46
